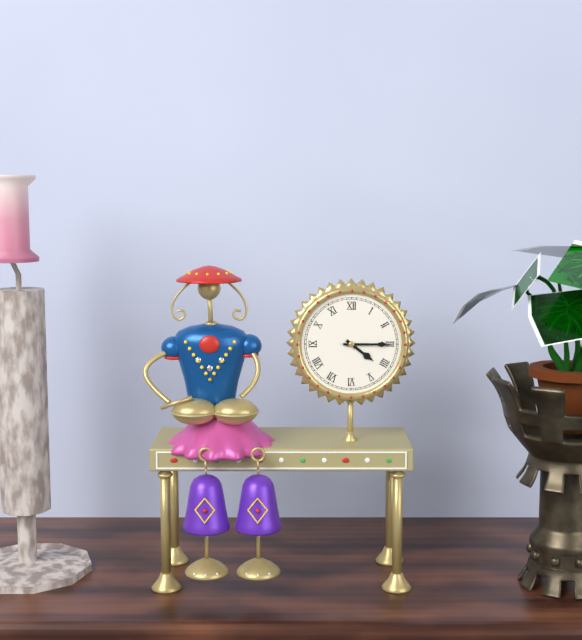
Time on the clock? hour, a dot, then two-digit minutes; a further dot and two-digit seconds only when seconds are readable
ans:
4.15
